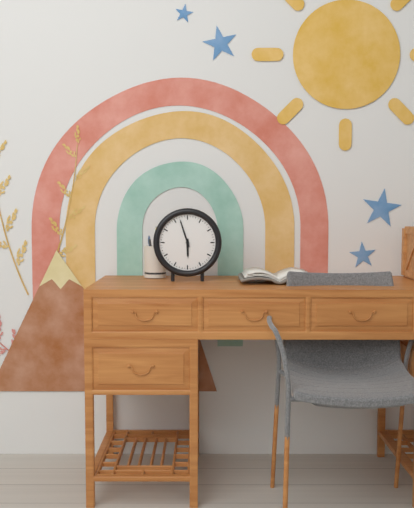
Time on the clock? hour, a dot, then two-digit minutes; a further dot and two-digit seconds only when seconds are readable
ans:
5.57
